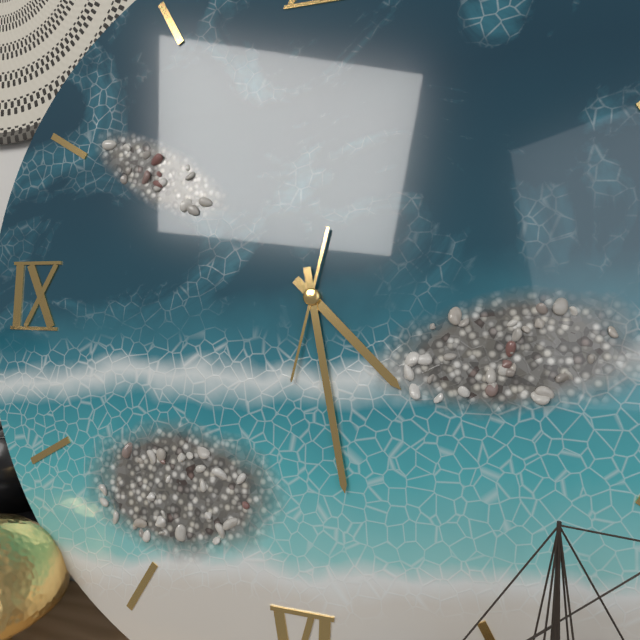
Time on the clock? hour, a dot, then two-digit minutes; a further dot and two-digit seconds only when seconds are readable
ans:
4.28.32
